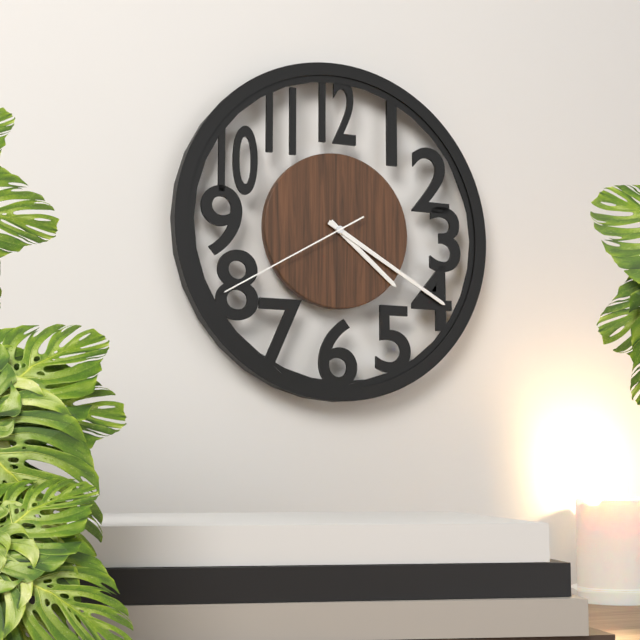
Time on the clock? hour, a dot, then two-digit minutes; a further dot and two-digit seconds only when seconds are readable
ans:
4.20.40
